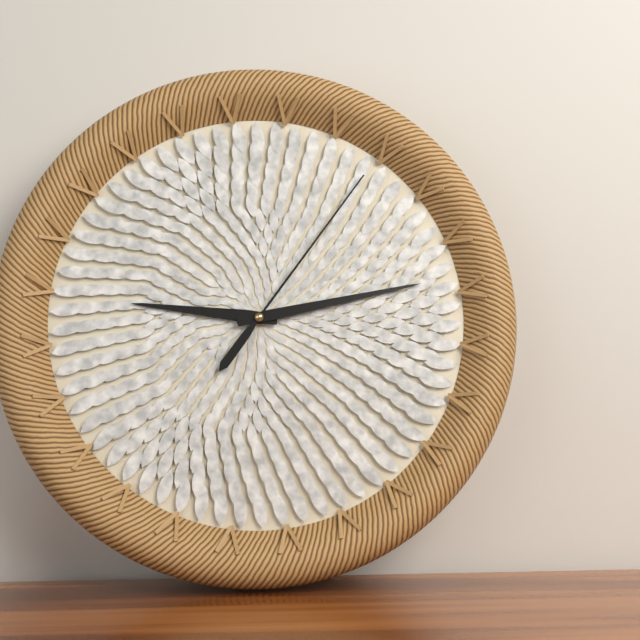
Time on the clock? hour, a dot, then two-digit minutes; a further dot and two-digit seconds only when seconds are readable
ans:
9.13.06
